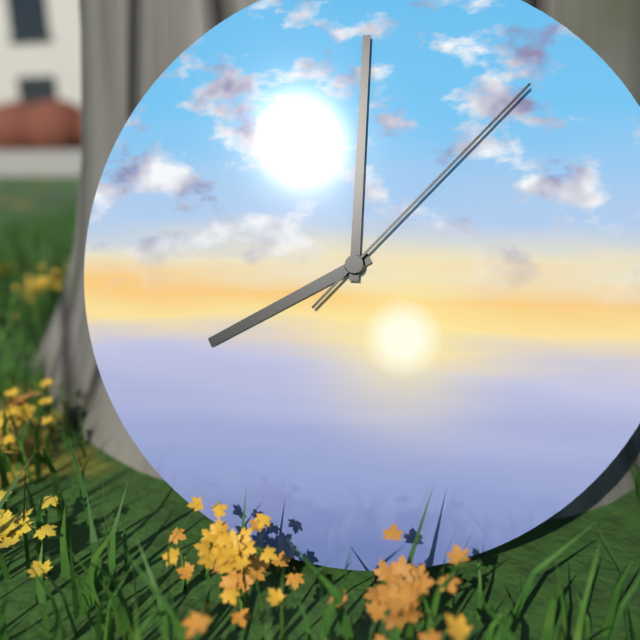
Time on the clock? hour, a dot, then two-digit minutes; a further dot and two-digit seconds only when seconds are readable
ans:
8.00.07
